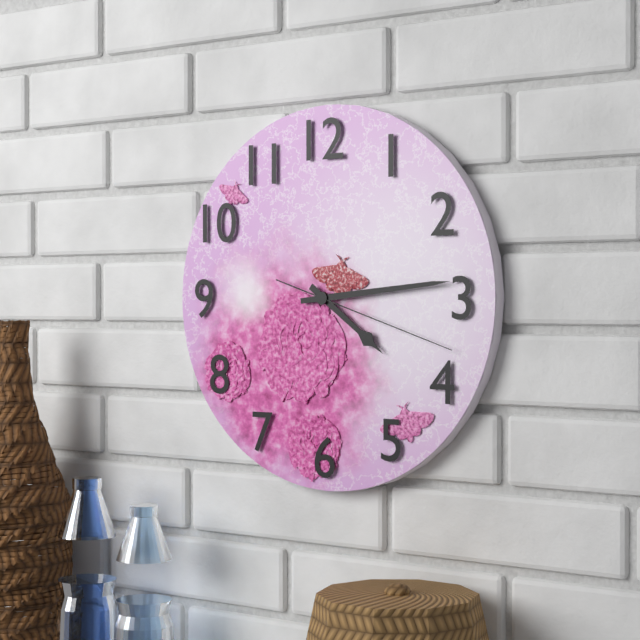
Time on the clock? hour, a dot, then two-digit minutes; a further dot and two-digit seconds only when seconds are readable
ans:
4.14.18
